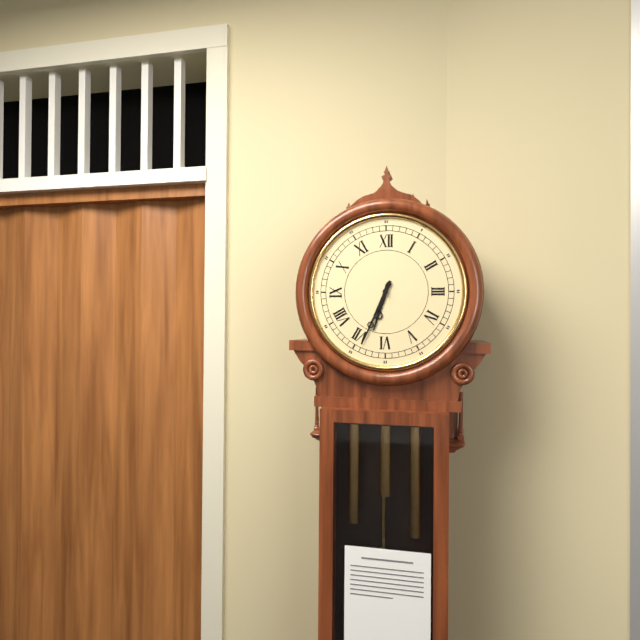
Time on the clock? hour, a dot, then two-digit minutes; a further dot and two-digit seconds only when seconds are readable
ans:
6.34
